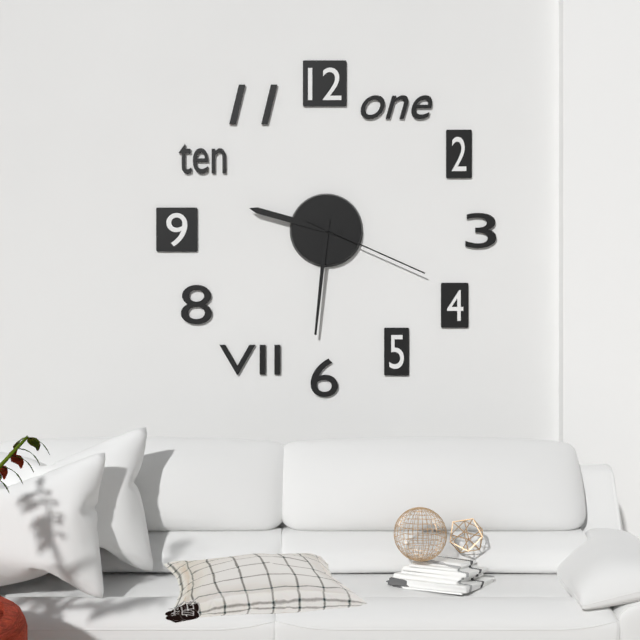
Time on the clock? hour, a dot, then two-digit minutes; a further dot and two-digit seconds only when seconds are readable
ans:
9.31.19
